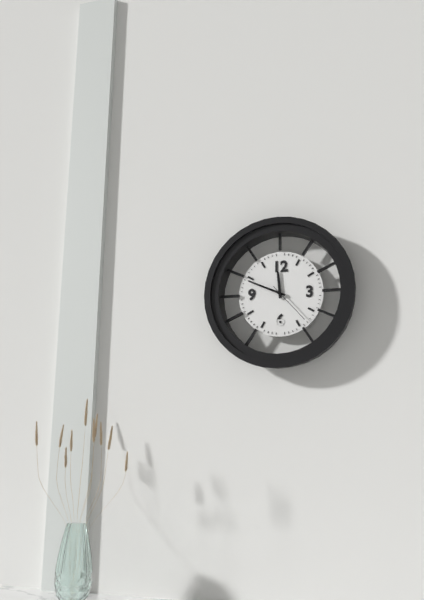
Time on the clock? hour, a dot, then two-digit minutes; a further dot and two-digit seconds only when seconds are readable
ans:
11.49
